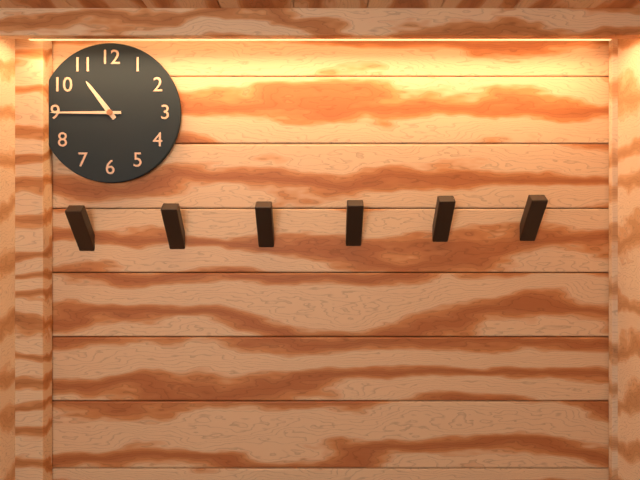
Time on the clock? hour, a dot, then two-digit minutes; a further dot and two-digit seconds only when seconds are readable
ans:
10.45
